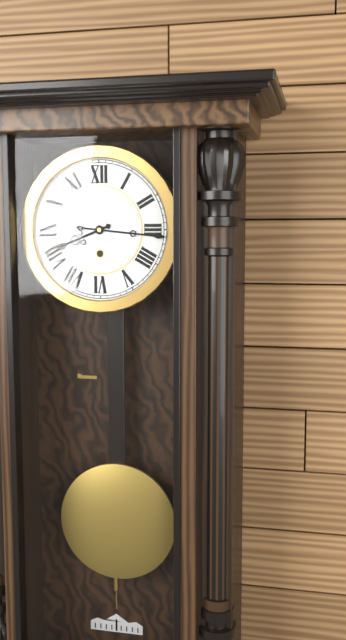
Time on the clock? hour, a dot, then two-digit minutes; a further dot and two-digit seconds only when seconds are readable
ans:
8.16
